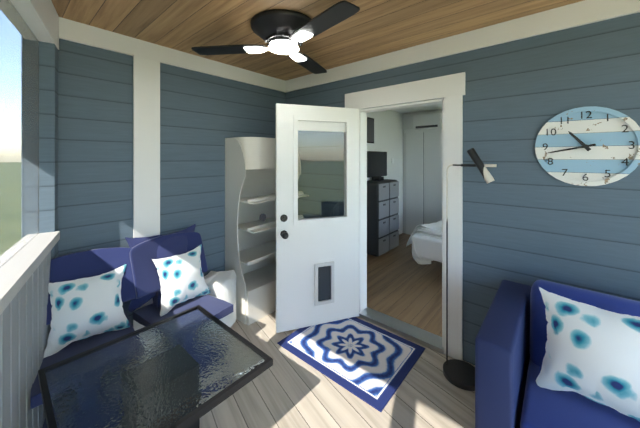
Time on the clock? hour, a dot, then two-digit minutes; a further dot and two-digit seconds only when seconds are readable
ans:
10.43
